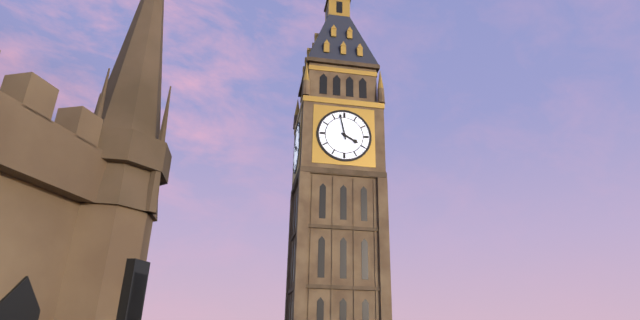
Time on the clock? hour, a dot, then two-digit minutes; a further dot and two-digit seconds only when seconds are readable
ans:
3.58
